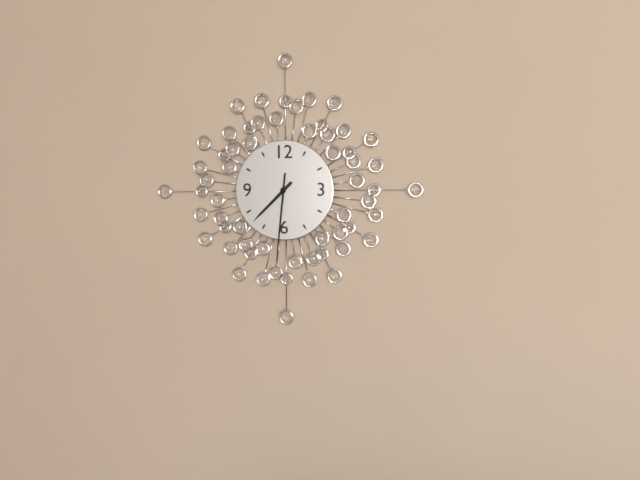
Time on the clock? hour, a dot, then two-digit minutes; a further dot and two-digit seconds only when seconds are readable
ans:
7.31
